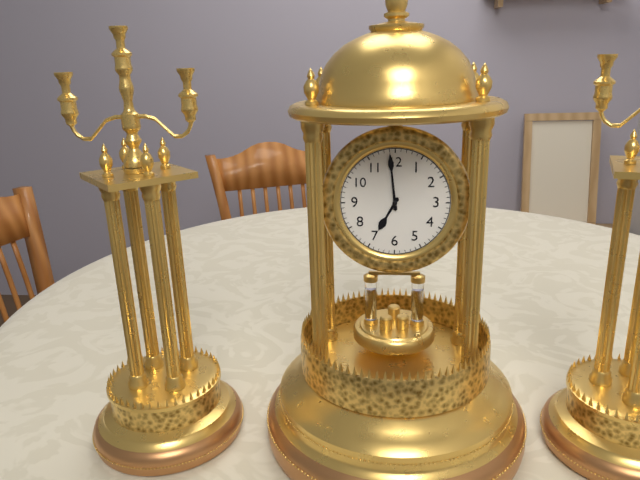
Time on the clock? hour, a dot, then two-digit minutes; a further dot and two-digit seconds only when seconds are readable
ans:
6.59
